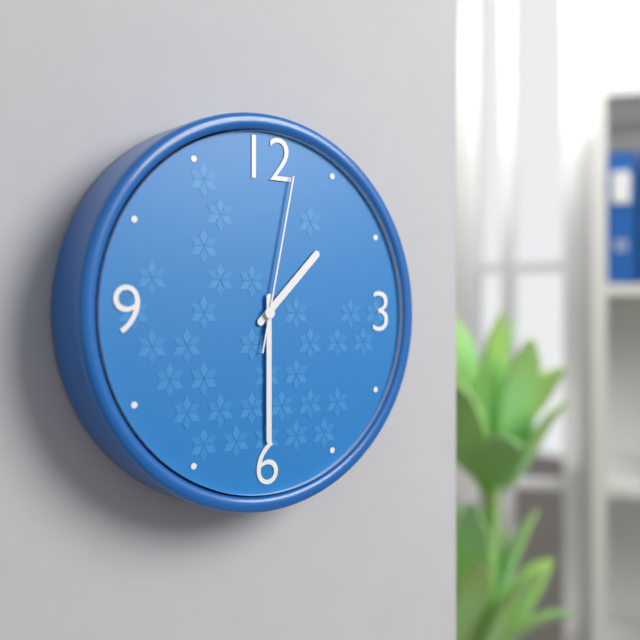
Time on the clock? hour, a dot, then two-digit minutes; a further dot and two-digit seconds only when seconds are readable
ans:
1.30.02
